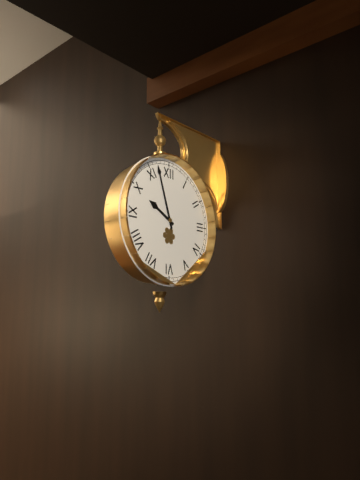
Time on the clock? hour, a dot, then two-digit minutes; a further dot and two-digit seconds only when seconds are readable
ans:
9.57
